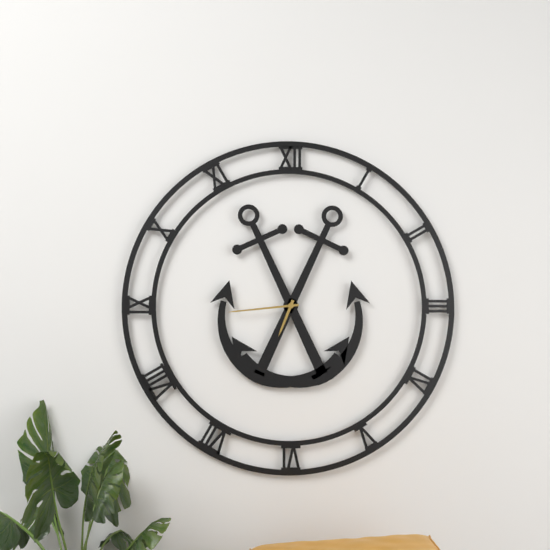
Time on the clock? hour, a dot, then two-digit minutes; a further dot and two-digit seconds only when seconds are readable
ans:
6.44
